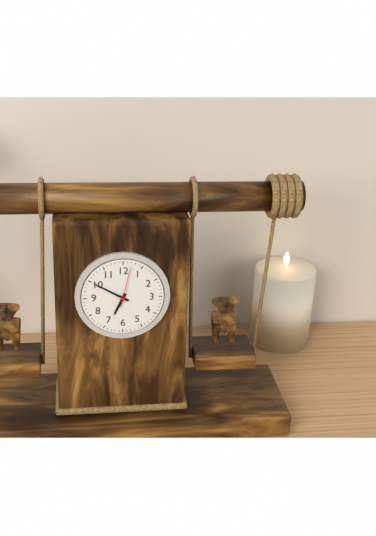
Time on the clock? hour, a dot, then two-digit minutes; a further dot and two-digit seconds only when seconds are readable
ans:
6.50
